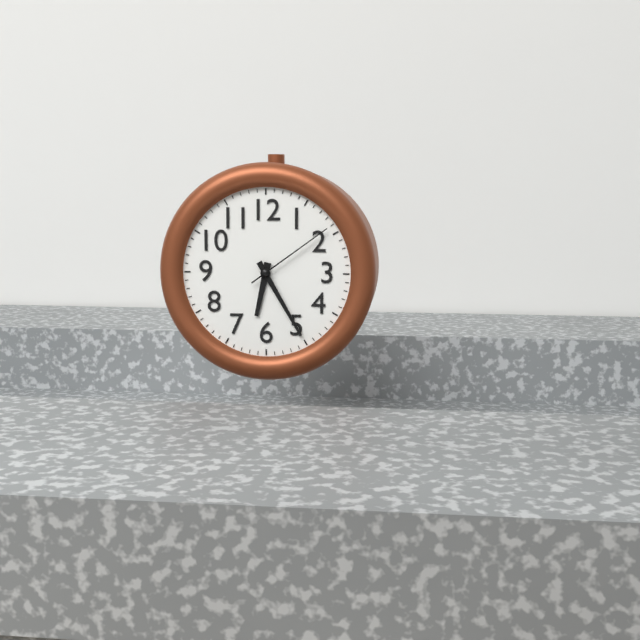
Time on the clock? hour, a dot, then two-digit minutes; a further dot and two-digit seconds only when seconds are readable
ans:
6.25.09
